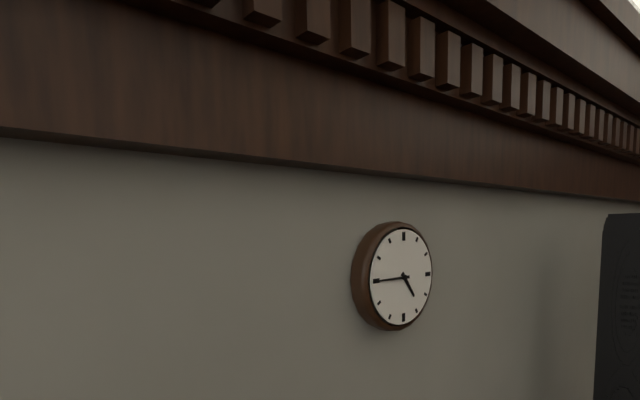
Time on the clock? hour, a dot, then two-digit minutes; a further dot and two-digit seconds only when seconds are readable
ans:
4.45
